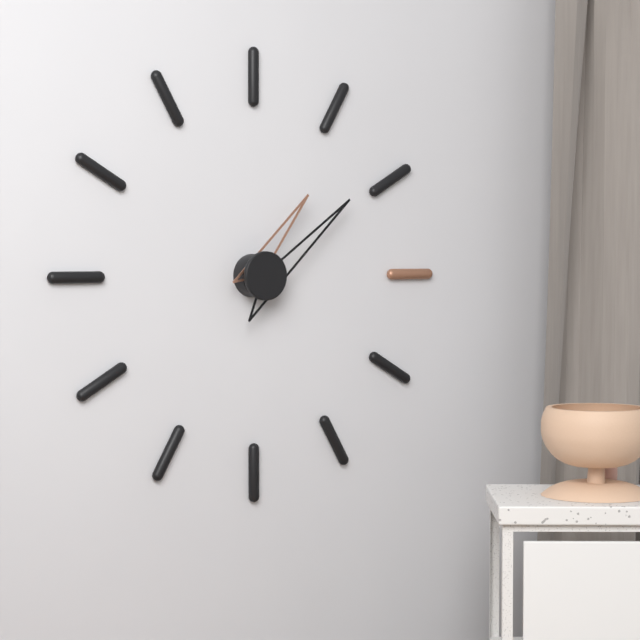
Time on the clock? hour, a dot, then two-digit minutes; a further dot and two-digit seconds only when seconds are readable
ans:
1.09
